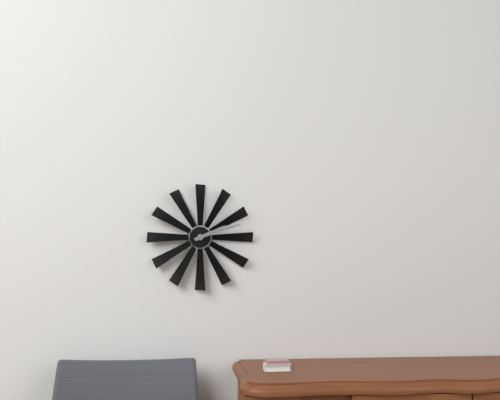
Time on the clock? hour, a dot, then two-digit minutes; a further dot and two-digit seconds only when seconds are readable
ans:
2.12
